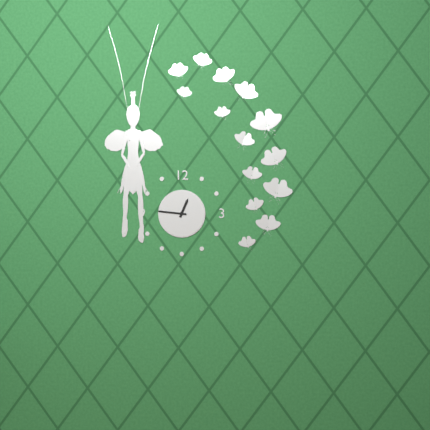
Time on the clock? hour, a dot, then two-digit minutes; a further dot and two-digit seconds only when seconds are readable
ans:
12.46
